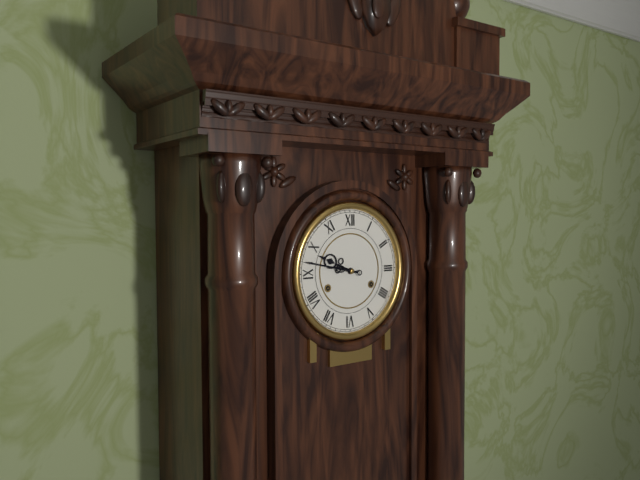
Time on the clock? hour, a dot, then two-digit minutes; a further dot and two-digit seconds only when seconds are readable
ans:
9.47
